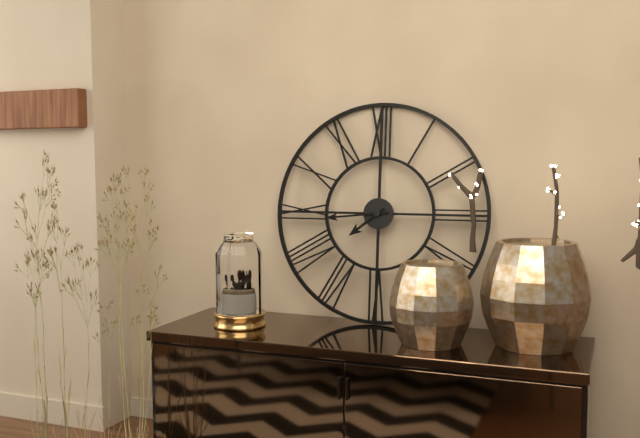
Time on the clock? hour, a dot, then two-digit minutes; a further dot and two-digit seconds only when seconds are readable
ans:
7.44
